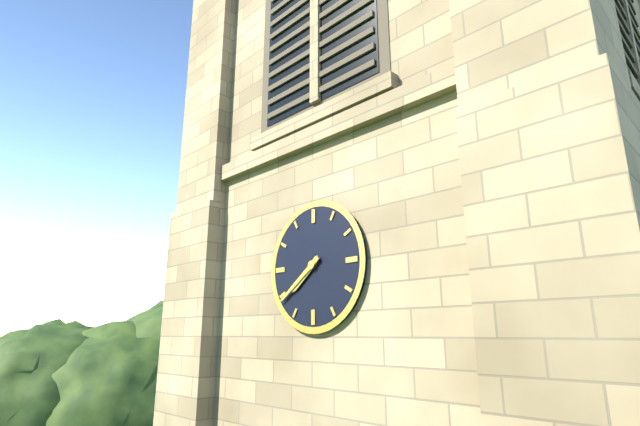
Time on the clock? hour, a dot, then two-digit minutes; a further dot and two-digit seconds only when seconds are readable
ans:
7.39
